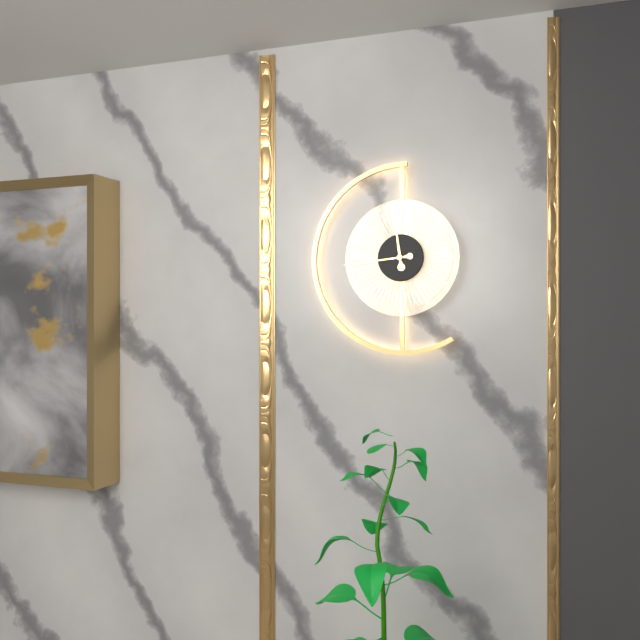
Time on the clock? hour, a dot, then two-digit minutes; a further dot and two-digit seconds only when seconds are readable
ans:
11.44
